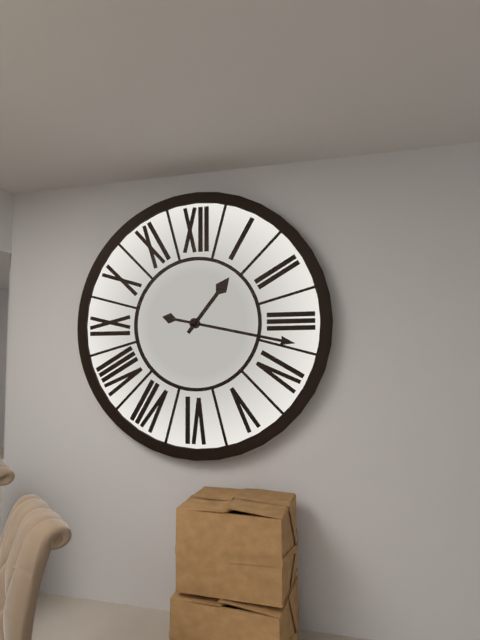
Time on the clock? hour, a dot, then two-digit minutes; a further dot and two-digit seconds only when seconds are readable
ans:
1.17
